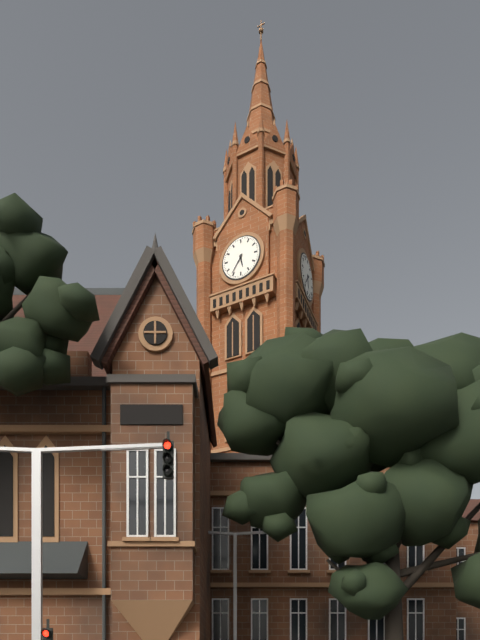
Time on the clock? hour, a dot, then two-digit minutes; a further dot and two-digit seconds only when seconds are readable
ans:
5.36
